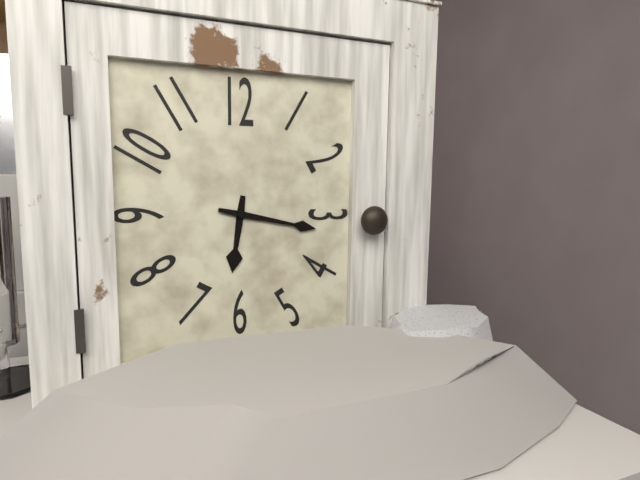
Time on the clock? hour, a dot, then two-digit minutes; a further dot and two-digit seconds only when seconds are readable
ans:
6.17
